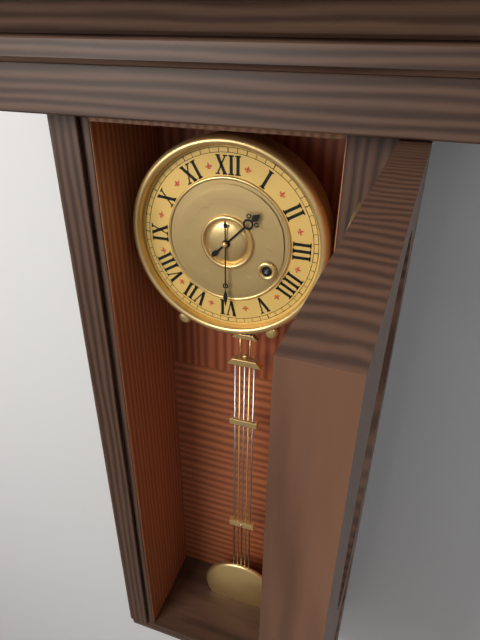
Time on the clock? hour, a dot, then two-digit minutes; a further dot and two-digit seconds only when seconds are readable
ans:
1.30
